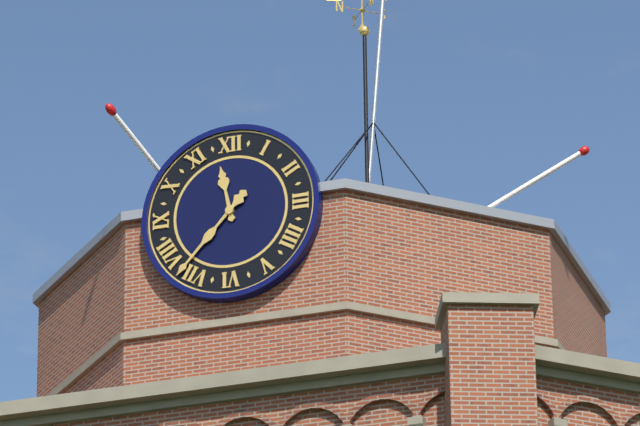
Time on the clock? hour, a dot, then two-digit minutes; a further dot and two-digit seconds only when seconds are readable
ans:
11.37
